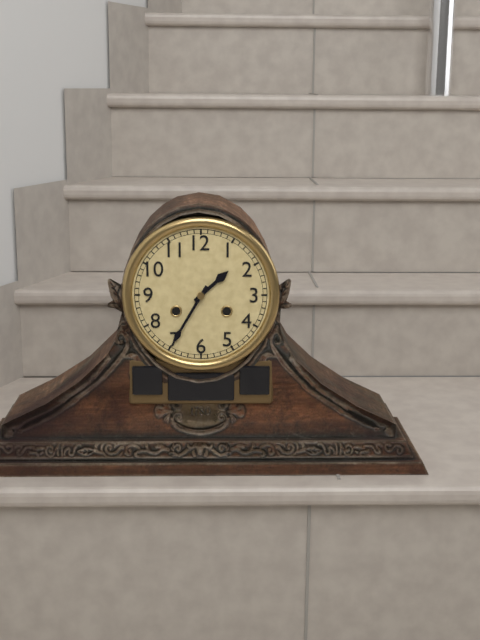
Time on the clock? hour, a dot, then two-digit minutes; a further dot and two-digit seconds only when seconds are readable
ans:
1.35
